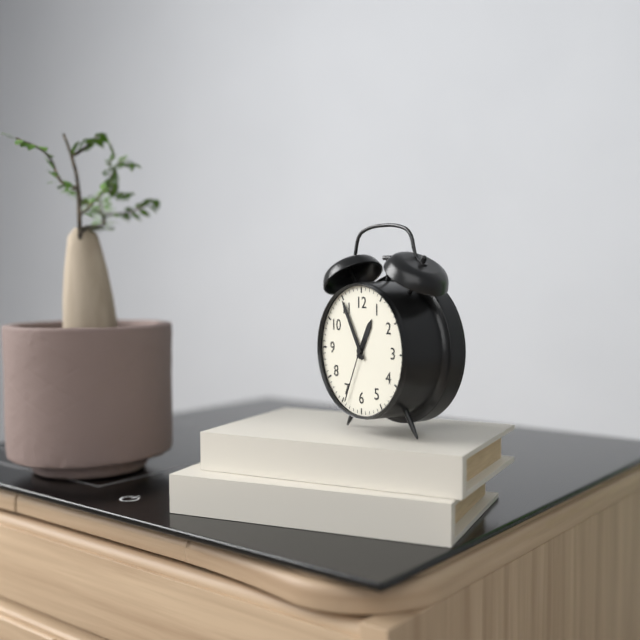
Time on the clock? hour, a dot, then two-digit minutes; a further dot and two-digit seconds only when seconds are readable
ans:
12.55.34
